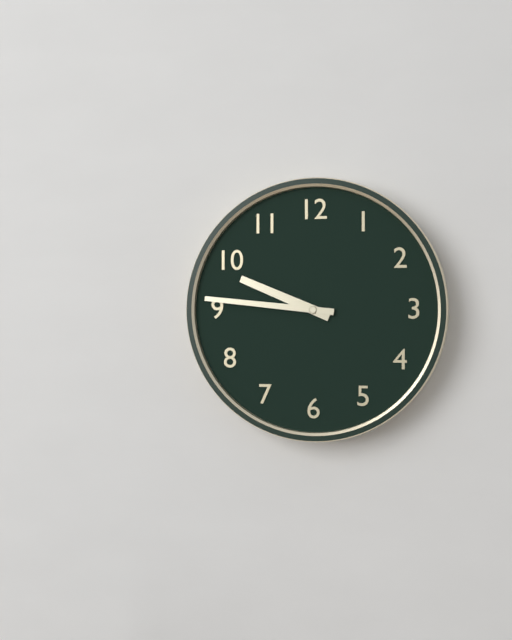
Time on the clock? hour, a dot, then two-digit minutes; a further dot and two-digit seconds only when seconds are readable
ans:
9.46
